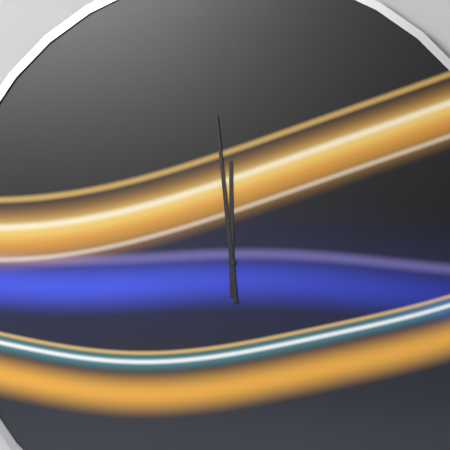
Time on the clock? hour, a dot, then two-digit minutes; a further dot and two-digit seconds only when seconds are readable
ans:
11.59
